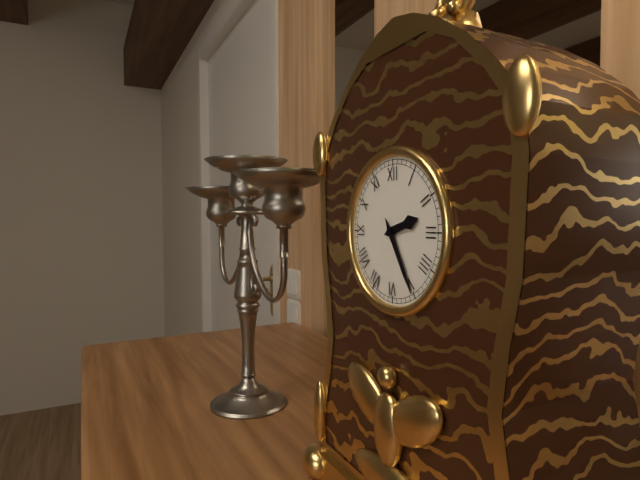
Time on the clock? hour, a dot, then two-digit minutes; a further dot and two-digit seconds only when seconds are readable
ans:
2.25
